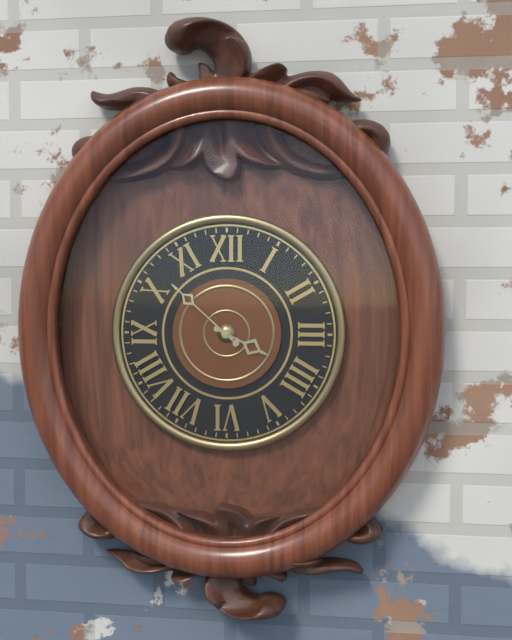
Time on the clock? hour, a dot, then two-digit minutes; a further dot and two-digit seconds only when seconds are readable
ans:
3.52
